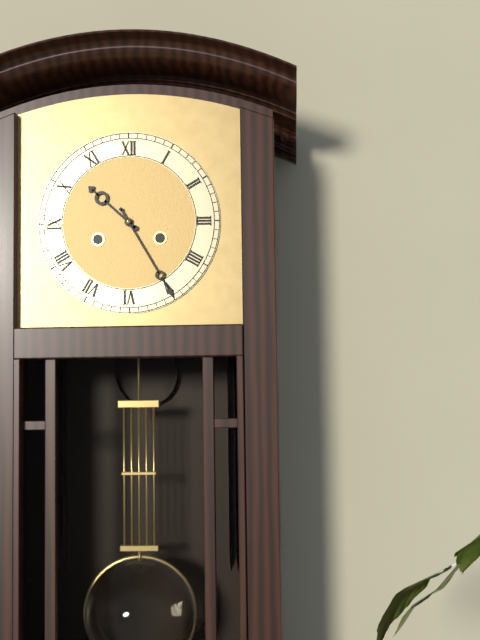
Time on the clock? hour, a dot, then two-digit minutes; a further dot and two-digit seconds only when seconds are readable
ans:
10.25
